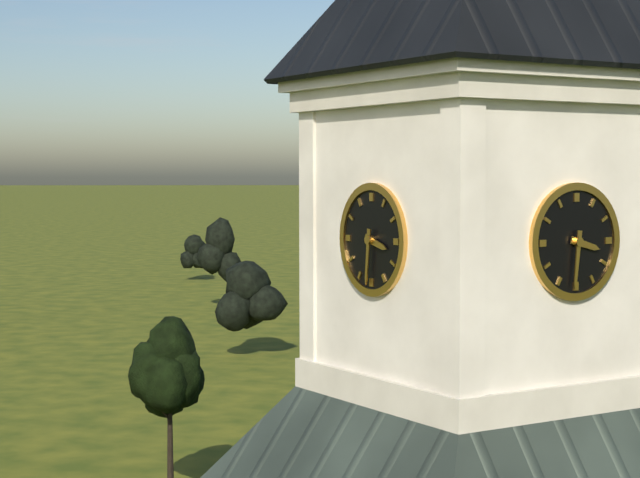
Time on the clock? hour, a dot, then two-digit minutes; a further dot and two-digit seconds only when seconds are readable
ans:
3.31
